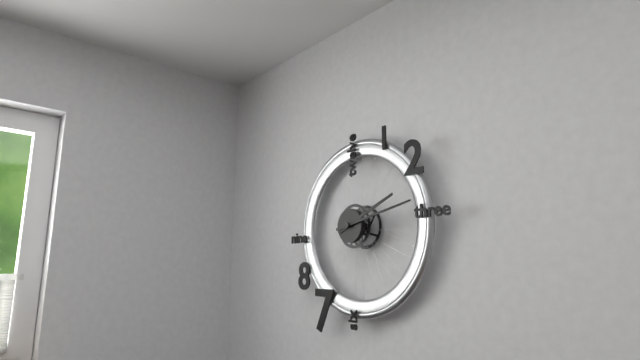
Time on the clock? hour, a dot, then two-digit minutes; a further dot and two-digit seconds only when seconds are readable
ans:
2.13
